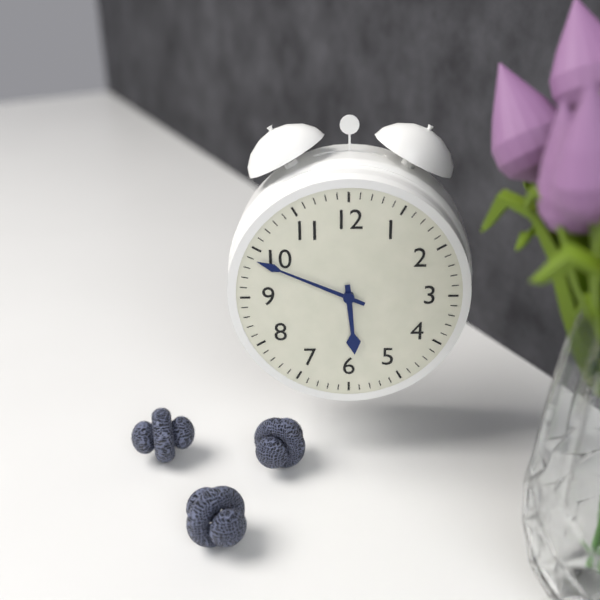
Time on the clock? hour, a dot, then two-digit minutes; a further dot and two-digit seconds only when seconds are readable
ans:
5.49
